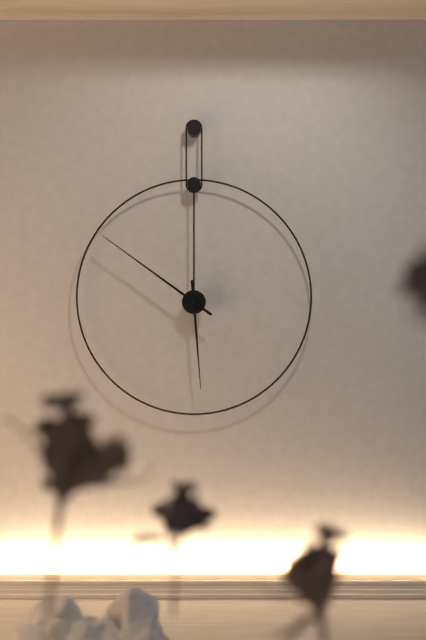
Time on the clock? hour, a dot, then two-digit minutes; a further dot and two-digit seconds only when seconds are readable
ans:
5.51
